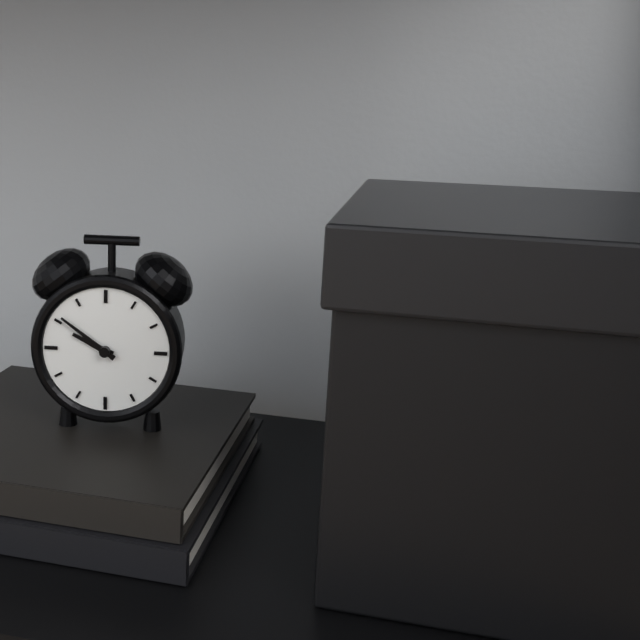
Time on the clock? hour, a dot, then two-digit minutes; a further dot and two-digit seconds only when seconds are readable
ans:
9.51
